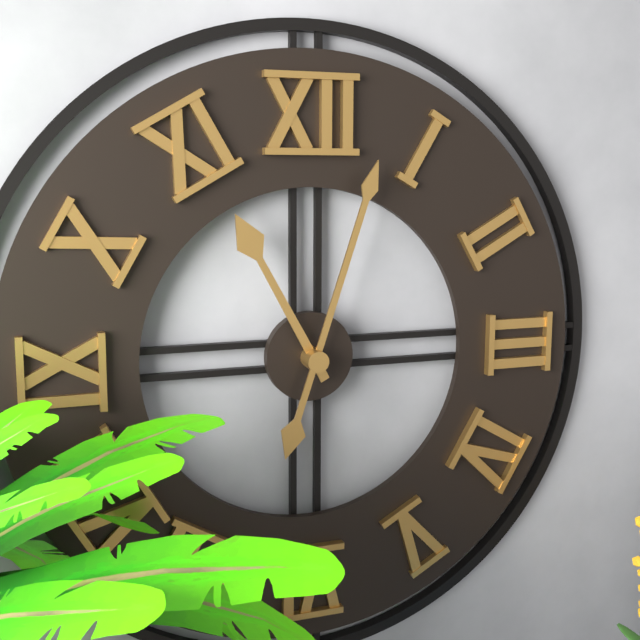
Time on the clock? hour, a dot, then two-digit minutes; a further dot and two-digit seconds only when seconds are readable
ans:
11.03
